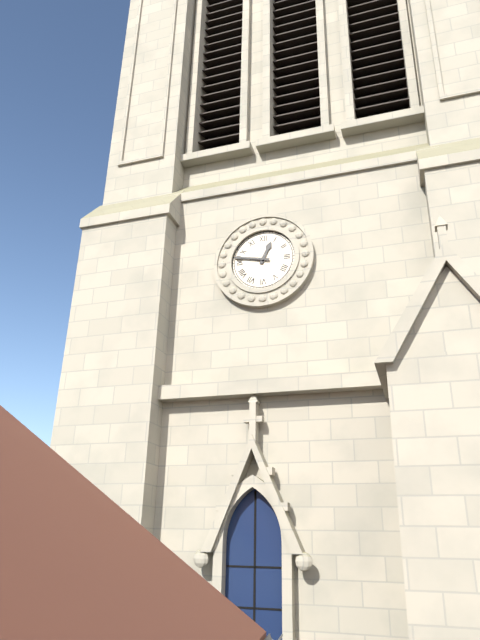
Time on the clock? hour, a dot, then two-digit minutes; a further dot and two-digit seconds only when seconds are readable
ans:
12.47
